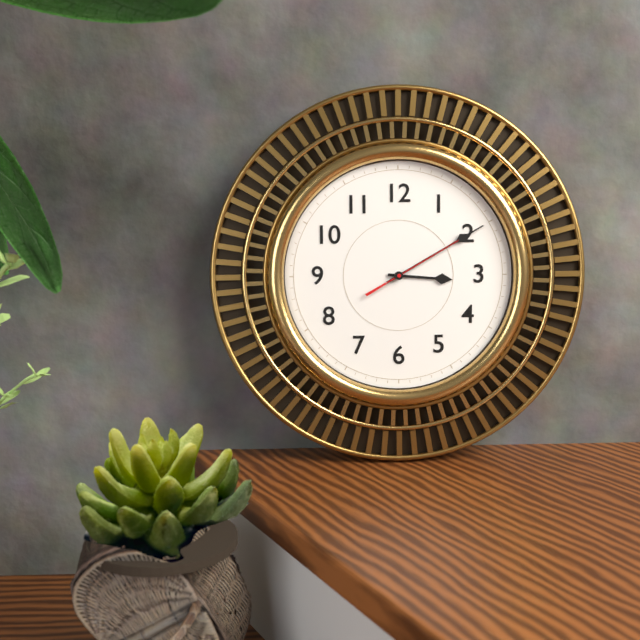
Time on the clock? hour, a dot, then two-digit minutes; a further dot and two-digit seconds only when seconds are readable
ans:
3.10.10
